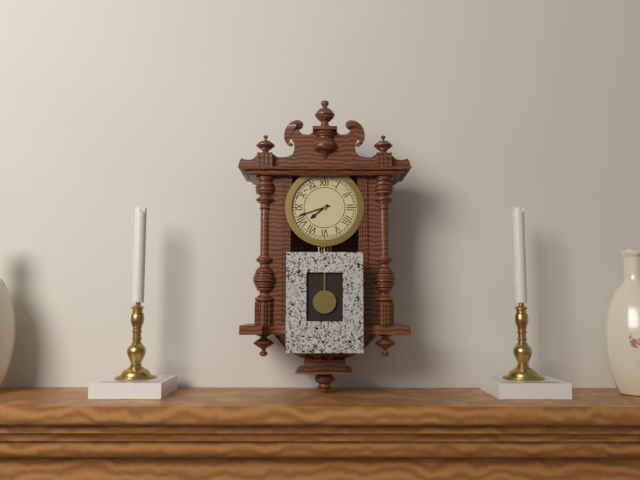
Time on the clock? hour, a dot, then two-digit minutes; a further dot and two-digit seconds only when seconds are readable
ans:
7.42
